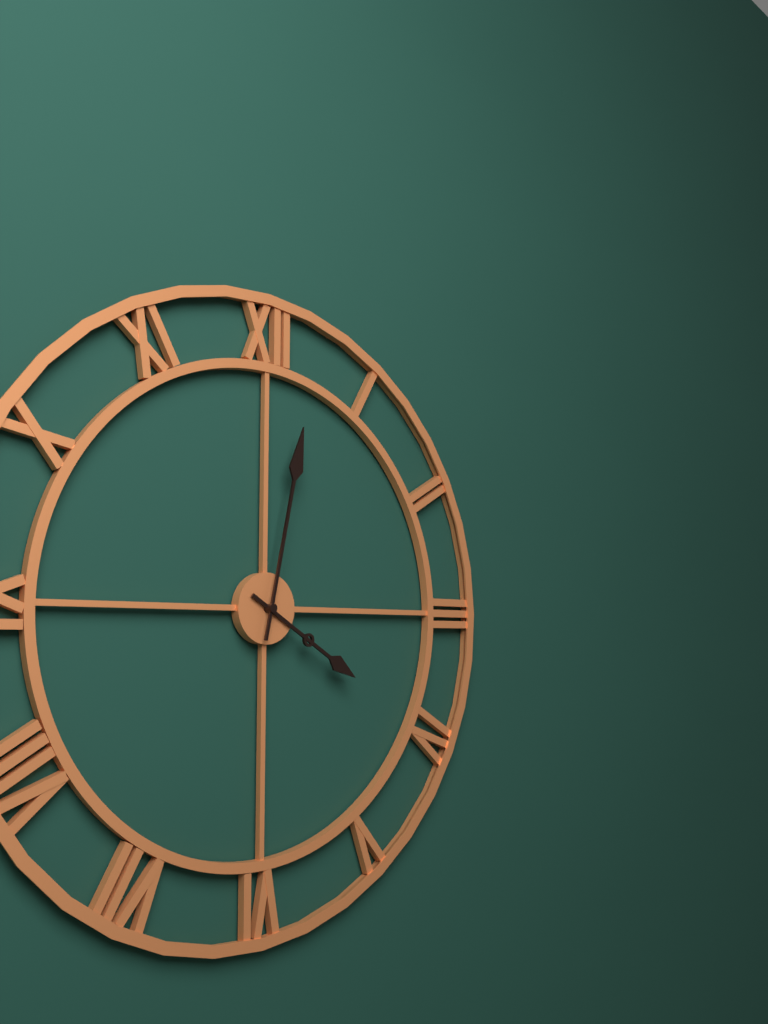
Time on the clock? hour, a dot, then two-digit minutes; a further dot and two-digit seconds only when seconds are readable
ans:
4.02
